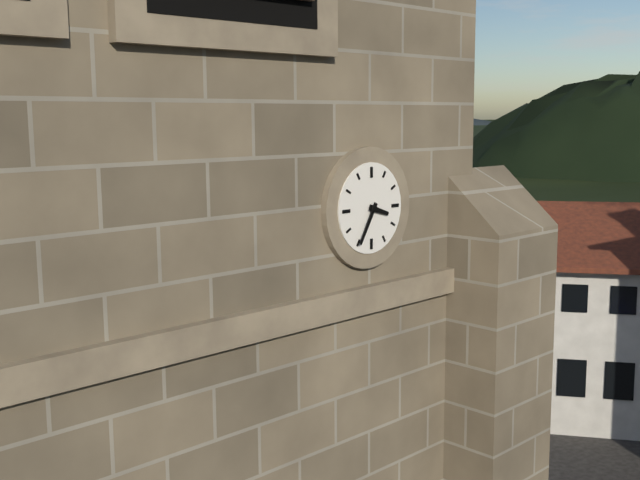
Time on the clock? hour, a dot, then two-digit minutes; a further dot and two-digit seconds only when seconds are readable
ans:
3.35
